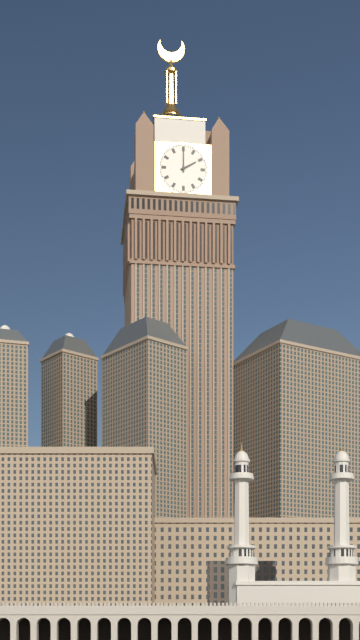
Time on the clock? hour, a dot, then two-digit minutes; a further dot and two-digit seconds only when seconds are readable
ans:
2.00
